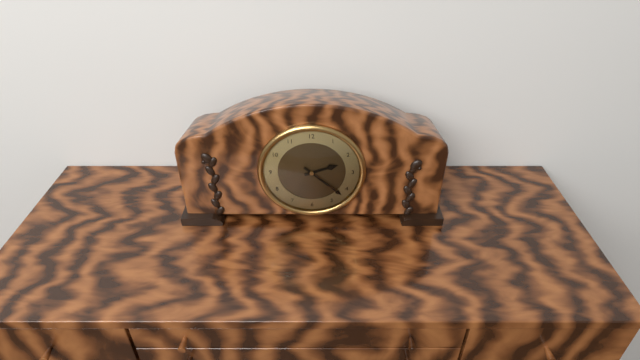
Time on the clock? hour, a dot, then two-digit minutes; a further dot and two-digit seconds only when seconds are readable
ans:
2.22
